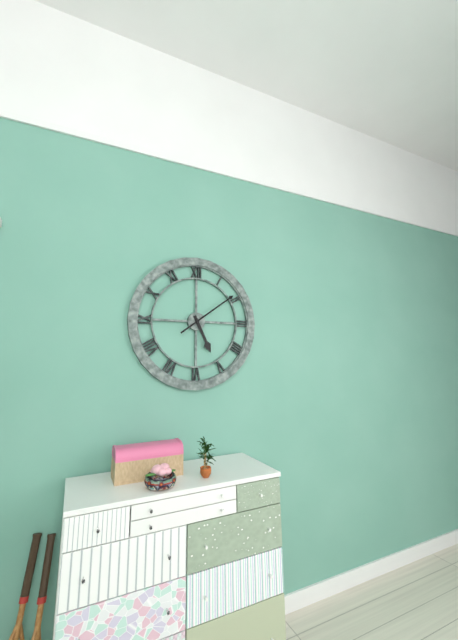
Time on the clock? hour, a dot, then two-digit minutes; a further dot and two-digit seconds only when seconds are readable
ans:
5.09
